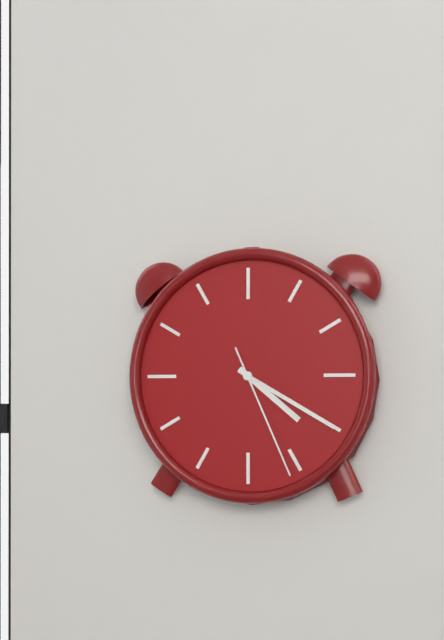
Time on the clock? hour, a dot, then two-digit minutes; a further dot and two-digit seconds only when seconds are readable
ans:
4.20.26
